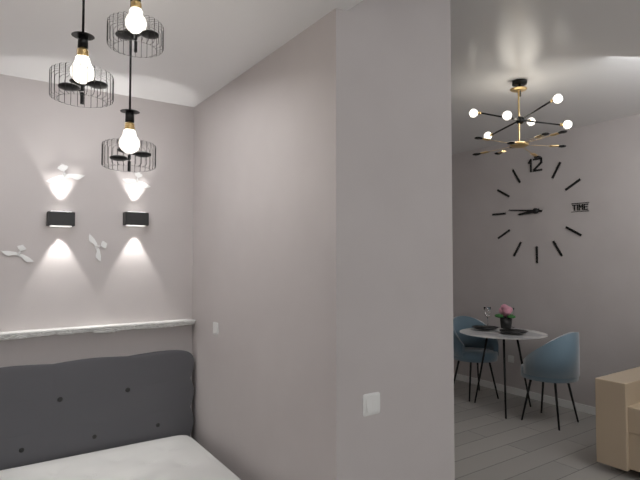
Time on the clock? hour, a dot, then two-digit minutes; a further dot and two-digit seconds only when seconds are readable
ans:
8.46
